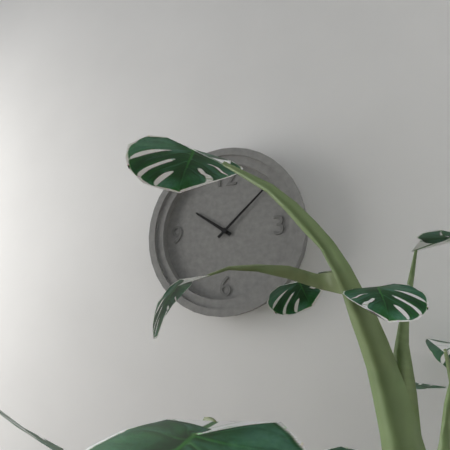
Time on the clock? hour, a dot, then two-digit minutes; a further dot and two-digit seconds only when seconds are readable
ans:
10.08
